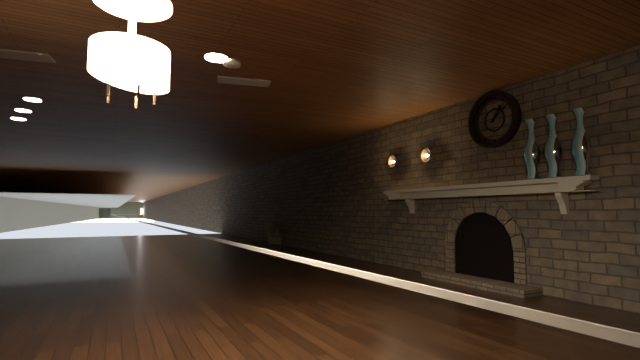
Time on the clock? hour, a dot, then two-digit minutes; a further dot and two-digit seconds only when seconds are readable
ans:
1.09
